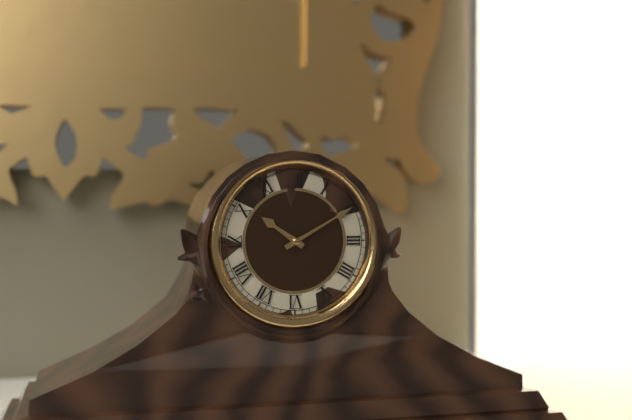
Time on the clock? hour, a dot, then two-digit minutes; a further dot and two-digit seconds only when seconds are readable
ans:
10.10
